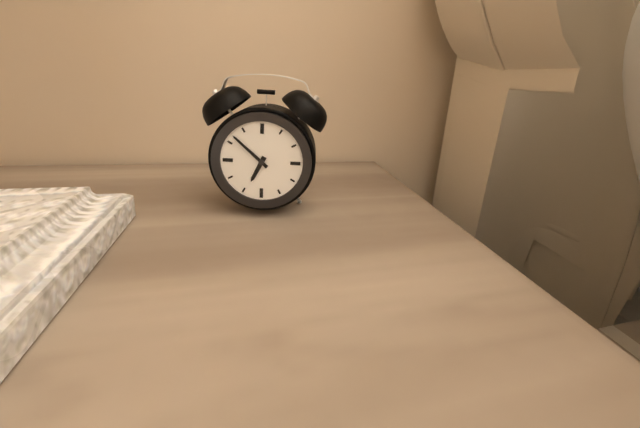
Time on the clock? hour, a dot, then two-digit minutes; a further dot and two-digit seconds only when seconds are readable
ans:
6.52
